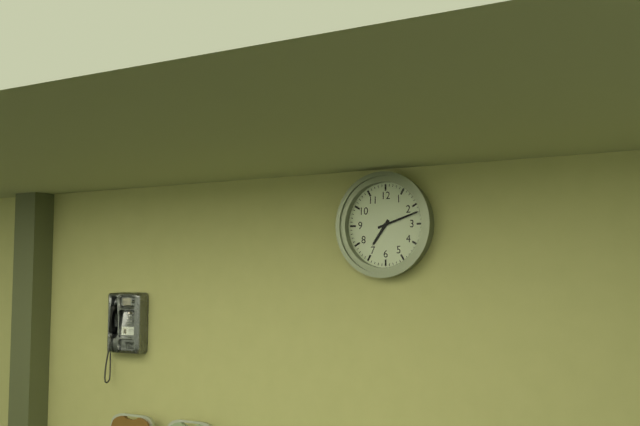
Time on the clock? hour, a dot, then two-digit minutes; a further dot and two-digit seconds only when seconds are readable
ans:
7.12
